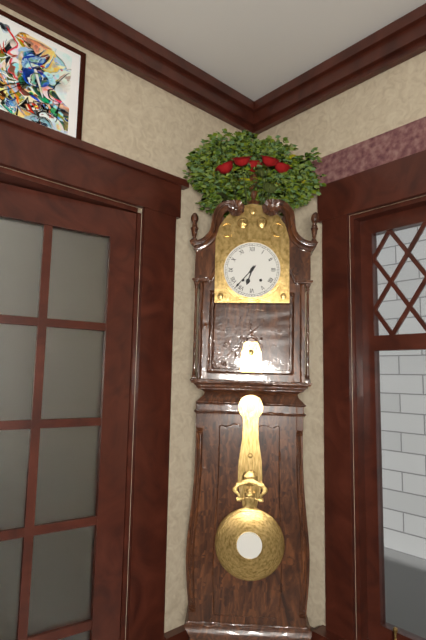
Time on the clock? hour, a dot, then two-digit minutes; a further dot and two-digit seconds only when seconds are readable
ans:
6.37
